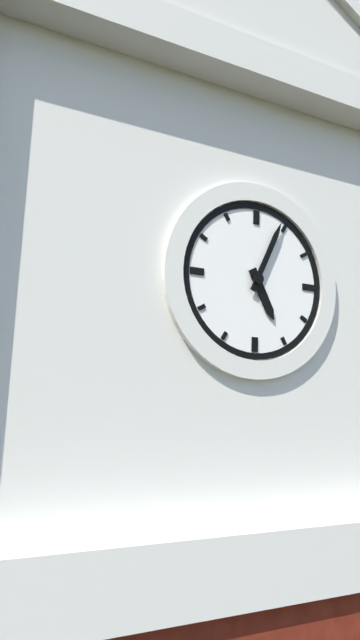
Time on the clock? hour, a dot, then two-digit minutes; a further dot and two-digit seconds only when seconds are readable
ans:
5.04
